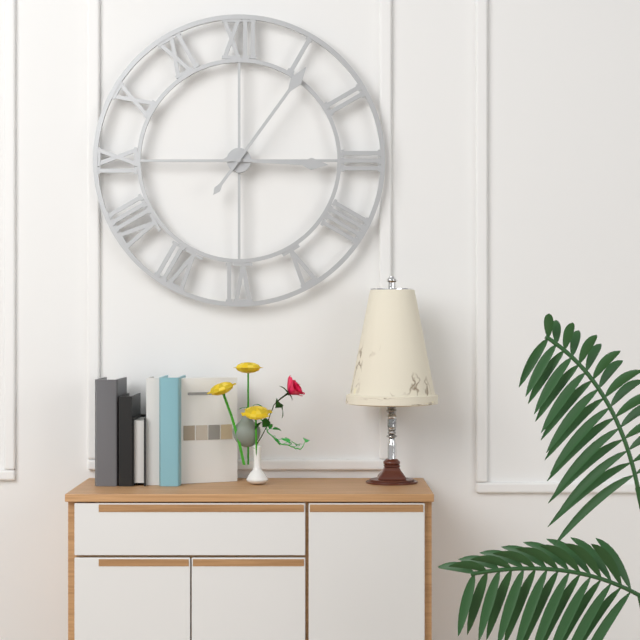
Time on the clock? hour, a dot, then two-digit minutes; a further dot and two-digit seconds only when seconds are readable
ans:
3.06
